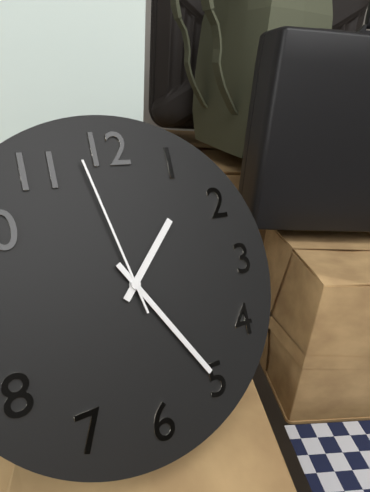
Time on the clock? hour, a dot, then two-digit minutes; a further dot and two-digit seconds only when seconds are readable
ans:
1.25.58
